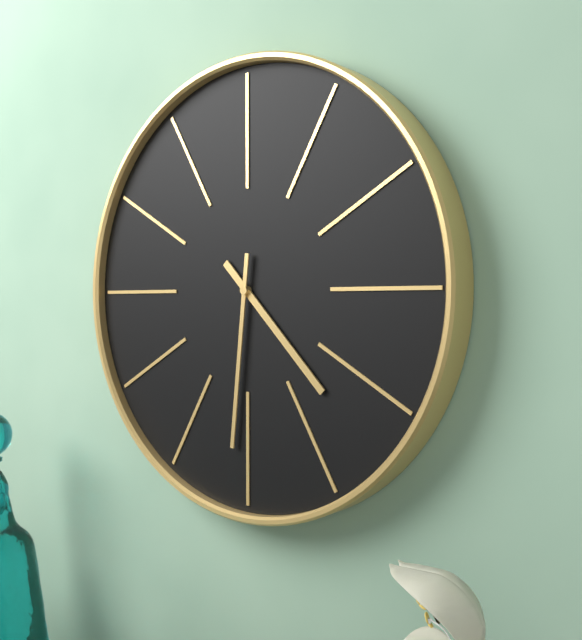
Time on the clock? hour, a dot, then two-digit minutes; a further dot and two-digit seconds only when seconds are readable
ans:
4.31
